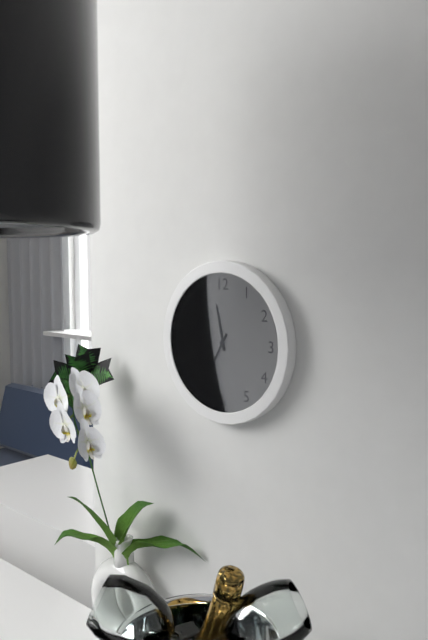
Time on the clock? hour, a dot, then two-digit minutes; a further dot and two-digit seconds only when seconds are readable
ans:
11.35
